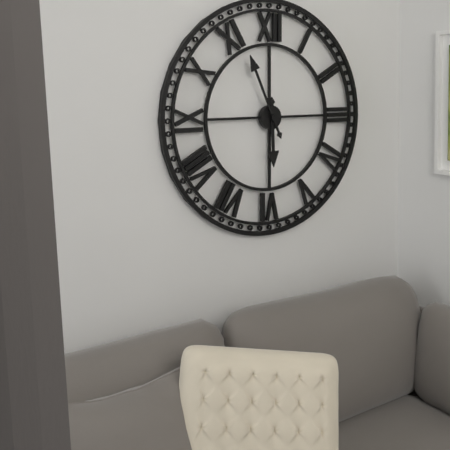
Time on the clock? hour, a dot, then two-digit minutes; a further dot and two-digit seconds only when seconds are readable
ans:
5.56
